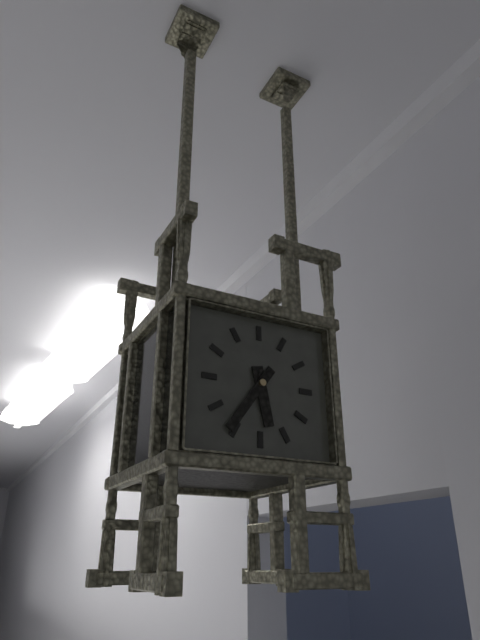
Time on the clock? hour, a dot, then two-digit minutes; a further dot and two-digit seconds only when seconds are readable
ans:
5.36
